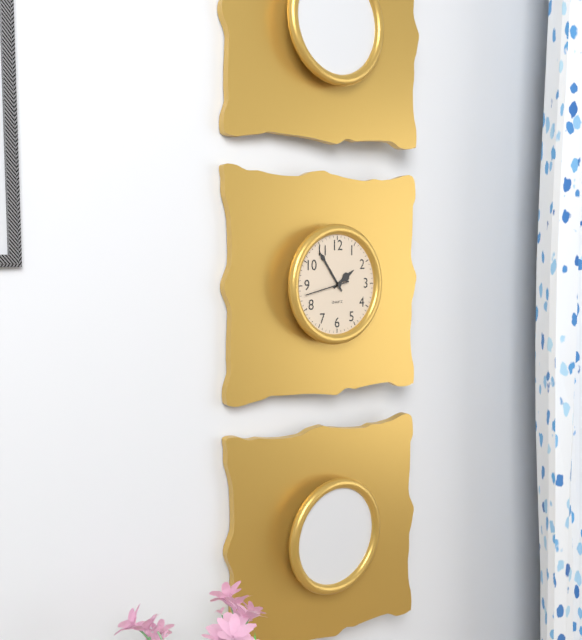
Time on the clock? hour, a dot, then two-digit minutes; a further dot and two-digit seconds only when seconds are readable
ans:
1.54
